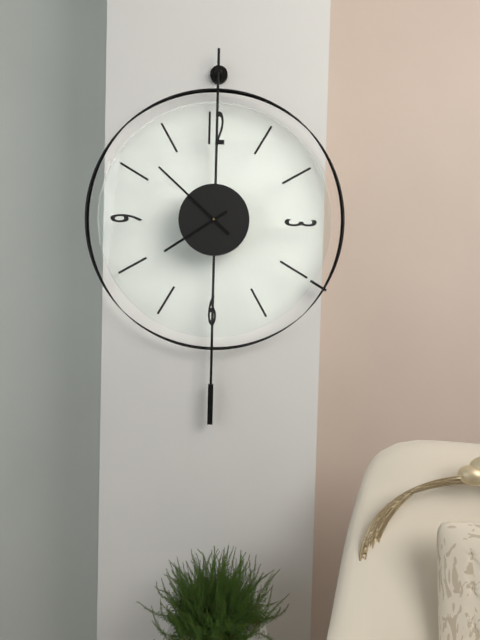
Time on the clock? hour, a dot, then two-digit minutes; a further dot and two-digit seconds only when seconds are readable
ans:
7.52
